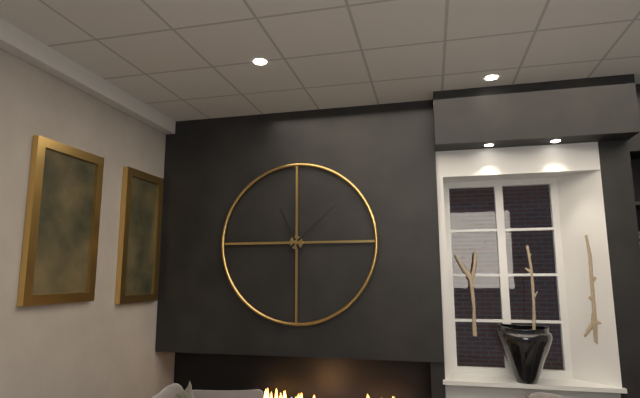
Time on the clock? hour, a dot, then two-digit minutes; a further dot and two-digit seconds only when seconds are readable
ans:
11.08
